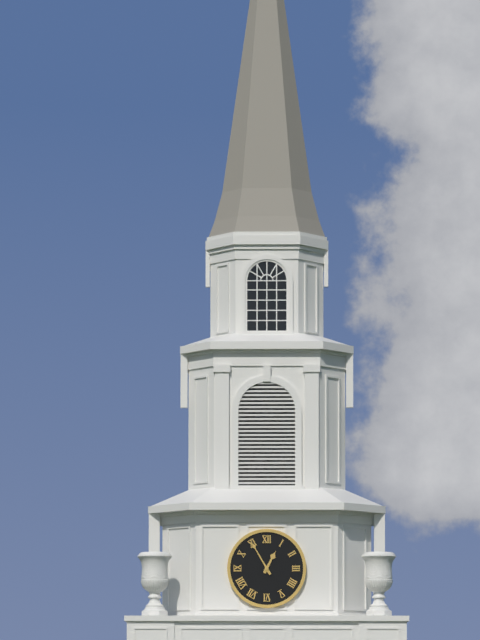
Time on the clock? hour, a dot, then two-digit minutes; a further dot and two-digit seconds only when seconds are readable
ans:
12.55
